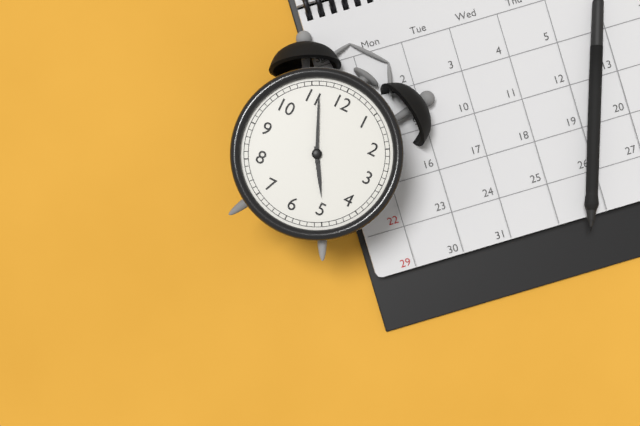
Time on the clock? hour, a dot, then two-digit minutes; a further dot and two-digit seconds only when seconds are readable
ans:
4.56
